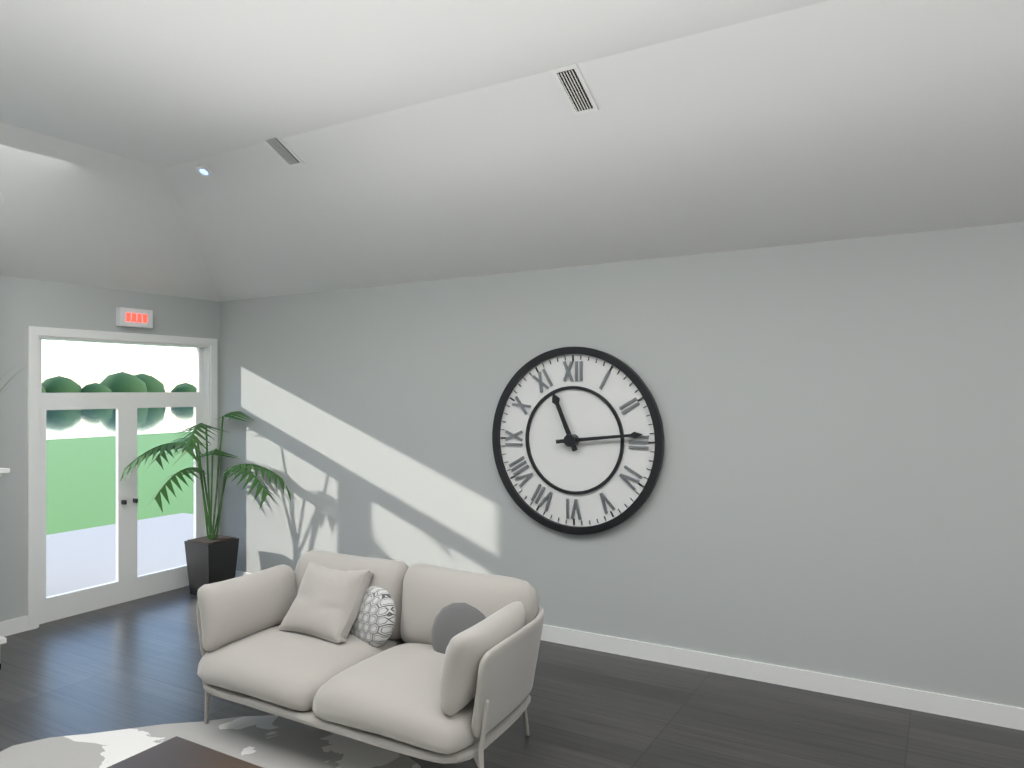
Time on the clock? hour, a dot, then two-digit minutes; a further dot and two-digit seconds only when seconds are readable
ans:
11.14
